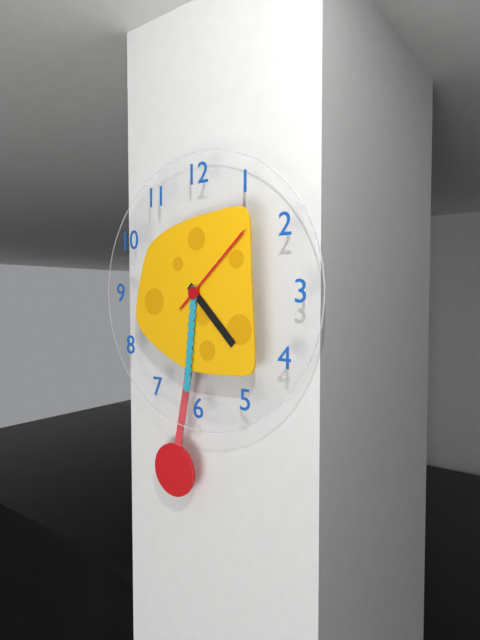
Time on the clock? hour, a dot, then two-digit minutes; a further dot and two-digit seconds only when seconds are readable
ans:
4.31.08
